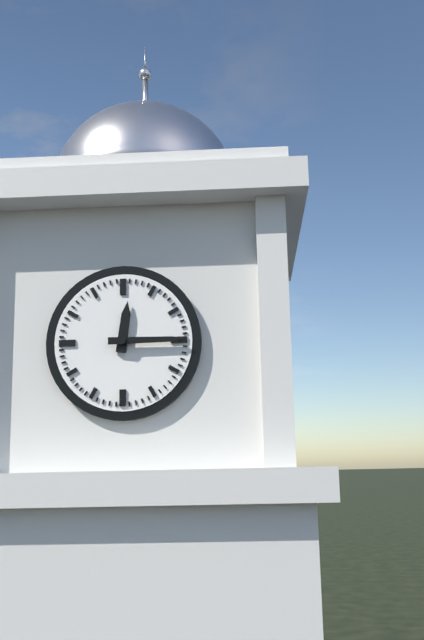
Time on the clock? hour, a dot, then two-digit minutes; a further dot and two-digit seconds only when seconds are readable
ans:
12.15
